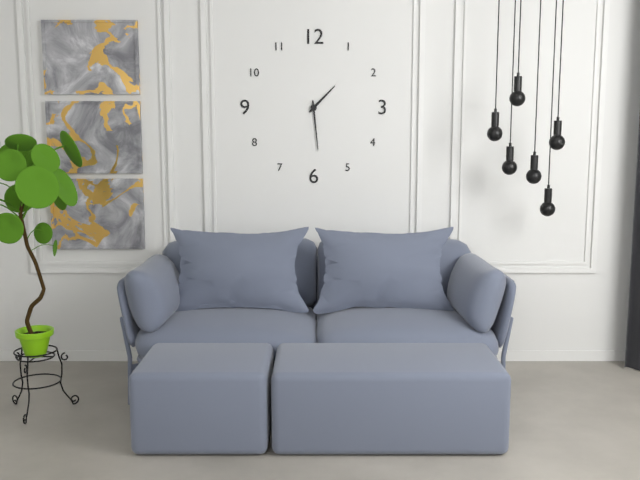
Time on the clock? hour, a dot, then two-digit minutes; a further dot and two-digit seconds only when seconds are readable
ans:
1.29
